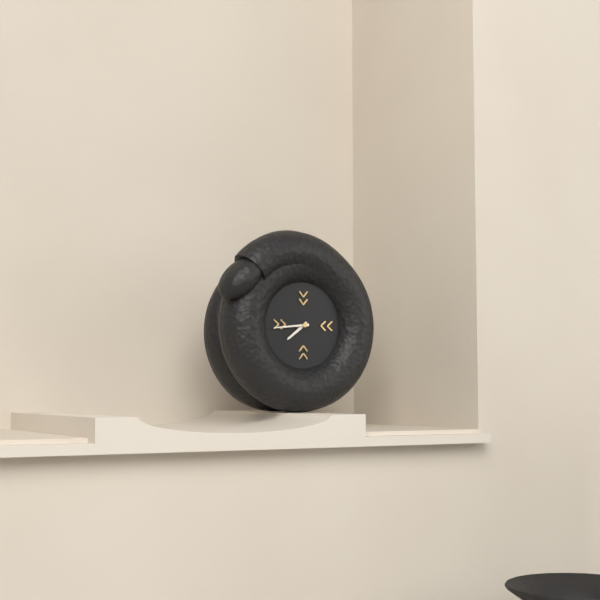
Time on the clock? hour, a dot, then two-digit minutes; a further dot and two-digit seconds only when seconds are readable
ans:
7.44
